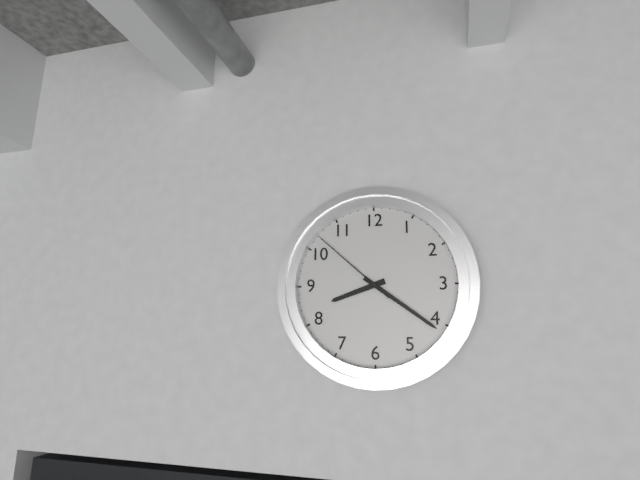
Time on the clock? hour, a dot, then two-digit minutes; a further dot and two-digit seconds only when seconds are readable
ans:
8.21.52
